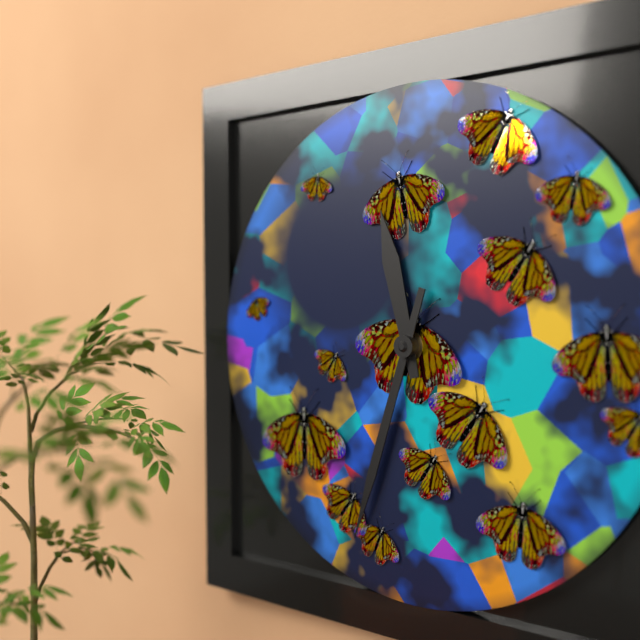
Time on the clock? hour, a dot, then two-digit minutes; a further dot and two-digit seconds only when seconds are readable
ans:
11.33
